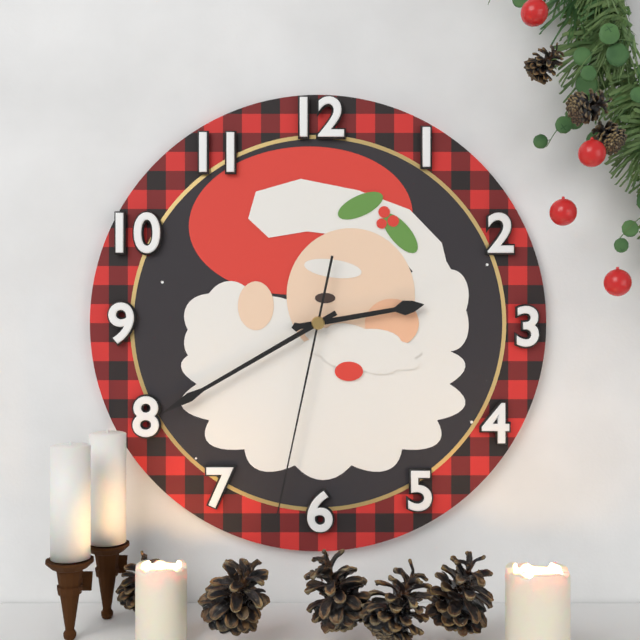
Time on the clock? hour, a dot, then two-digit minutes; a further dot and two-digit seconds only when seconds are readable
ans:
2.40.32
